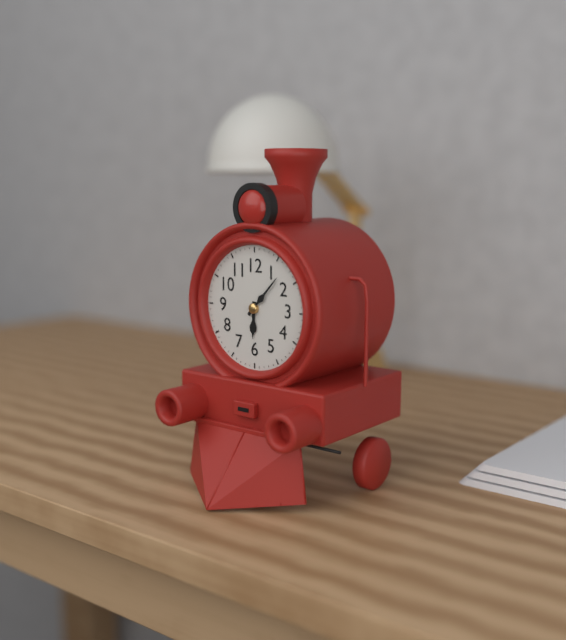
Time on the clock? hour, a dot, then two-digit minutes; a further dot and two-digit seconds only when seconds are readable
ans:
6.07
